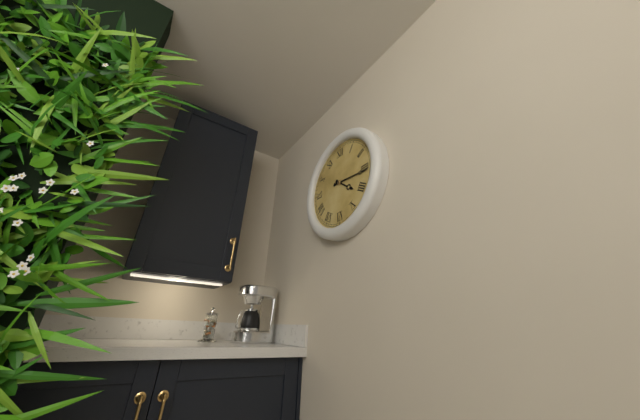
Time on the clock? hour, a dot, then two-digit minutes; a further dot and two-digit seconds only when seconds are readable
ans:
4.16
